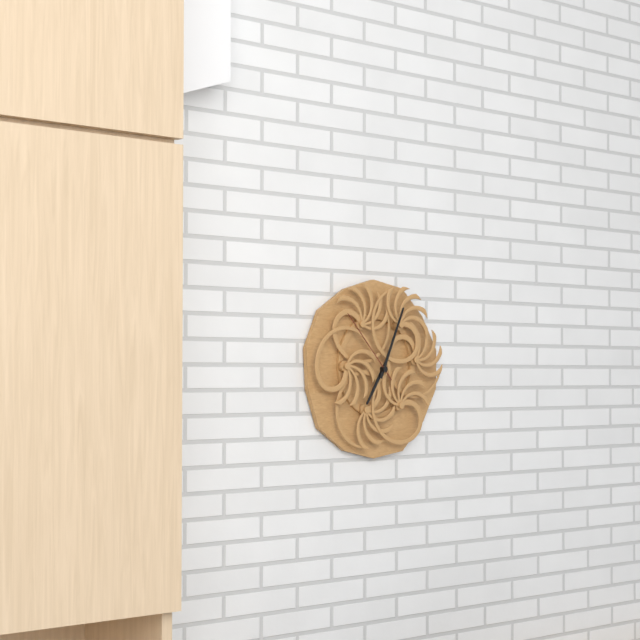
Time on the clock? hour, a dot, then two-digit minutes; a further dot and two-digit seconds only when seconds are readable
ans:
7.04.53
